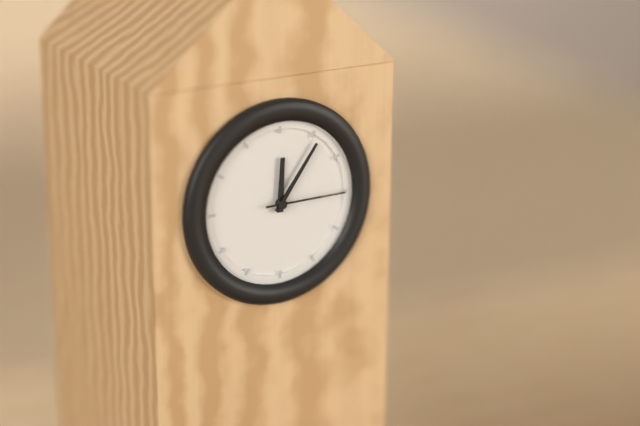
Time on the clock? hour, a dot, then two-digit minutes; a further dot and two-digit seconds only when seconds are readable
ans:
12.06.15
